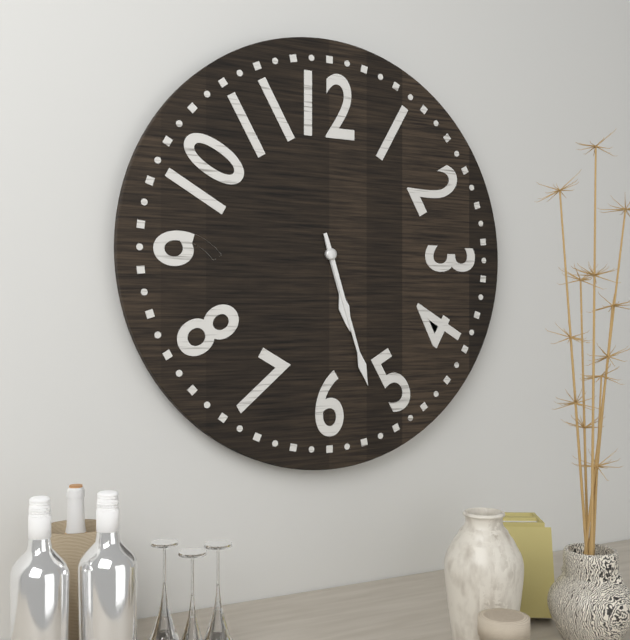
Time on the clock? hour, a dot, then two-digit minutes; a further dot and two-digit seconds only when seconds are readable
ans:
5.27
